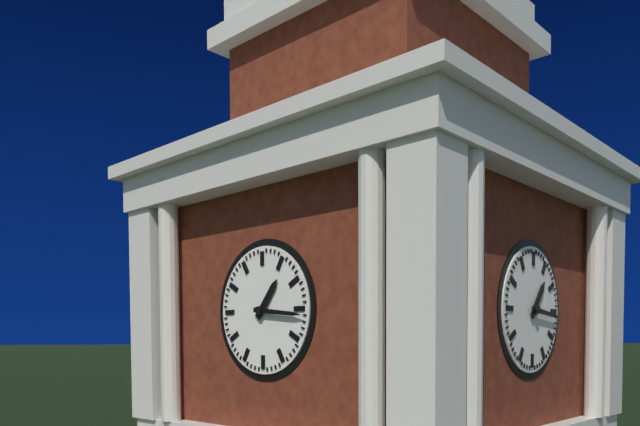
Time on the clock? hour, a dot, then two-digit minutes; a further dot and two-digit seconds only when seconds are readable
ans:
1.16
